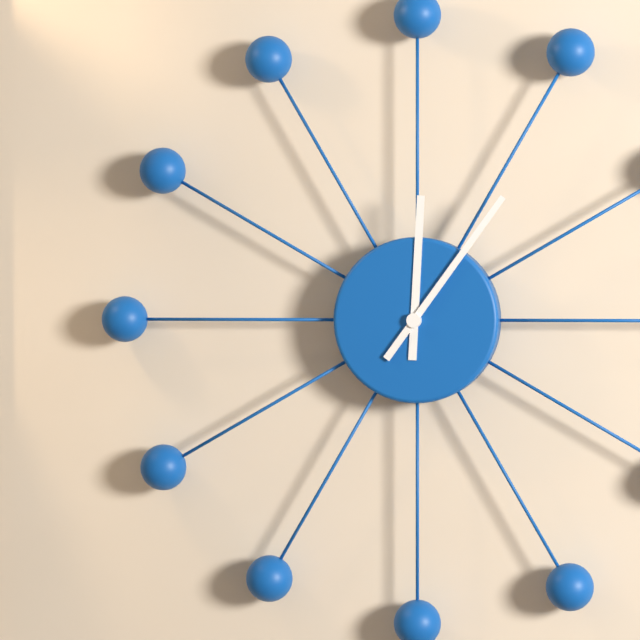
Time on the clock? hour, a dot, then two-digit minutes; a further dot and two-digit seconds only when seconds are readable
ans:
12.06
